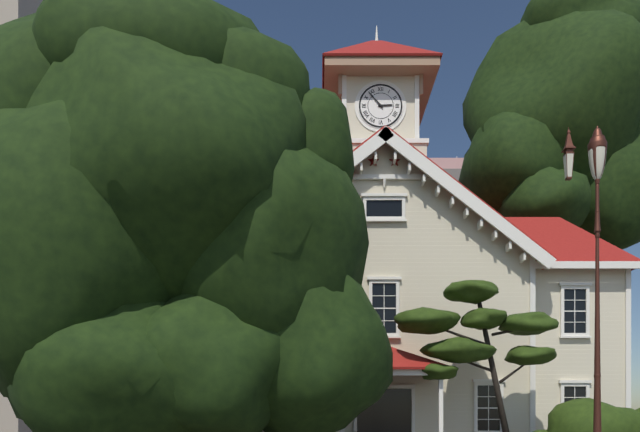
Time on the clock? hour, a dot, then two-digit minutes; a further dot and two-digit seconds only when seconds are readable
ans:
2.53
